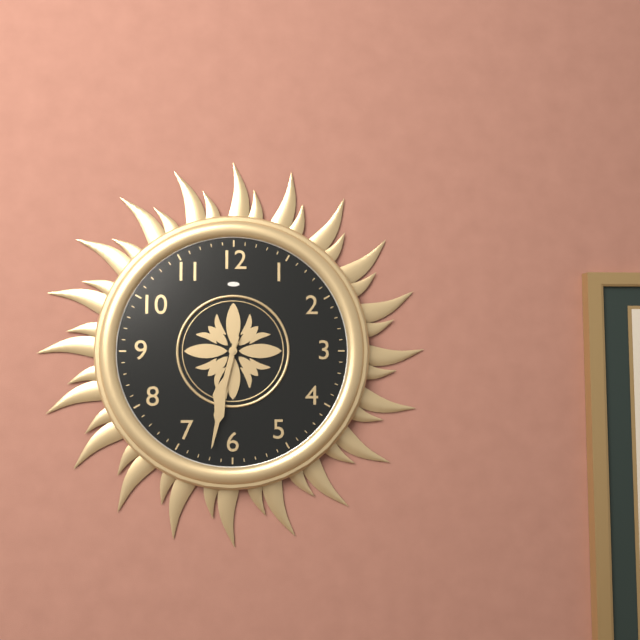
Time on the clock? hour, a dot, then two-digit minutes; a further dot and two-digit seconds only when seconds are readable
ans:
6.32
